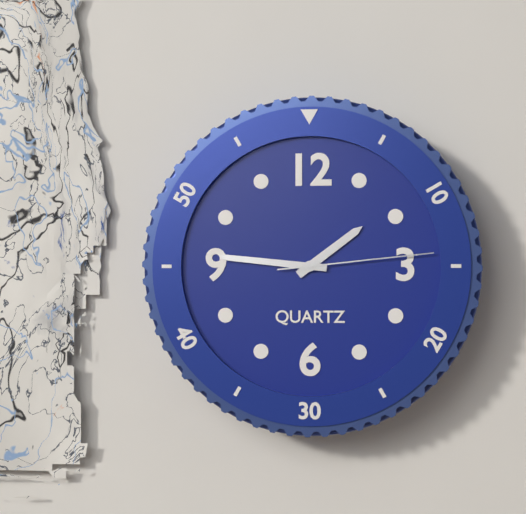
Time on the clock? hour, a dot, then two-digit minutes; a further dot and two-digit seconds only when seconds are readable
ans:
1.46.14
